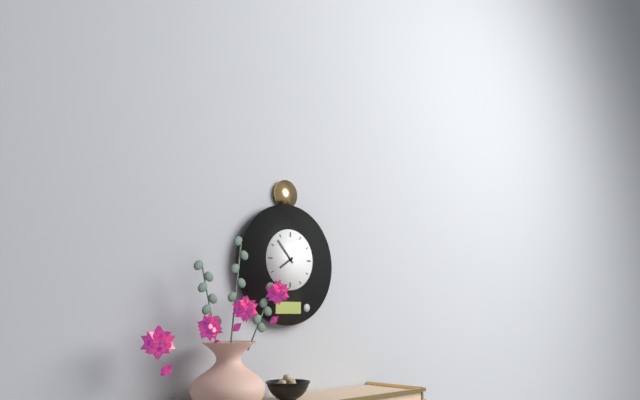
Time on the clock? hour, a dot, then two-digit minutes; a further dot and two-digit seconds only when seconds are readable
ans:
7.53
